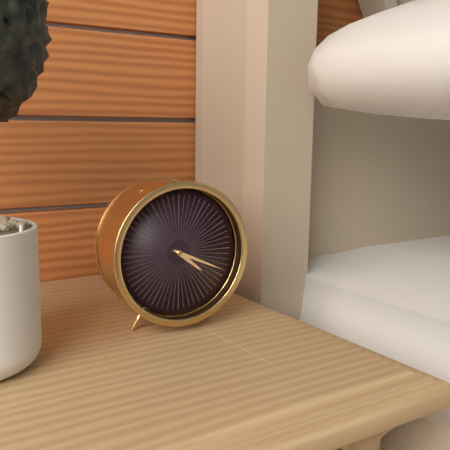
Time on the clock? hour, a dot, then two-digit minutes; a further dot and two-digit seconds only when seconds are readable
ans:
4.19
